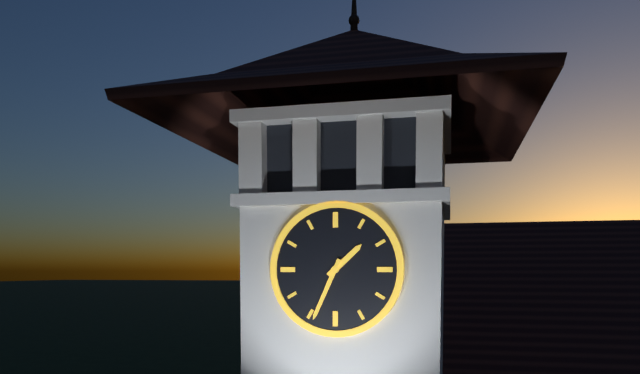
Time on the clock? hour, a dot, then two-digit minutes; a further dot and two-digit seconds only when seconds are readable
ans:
1.34
